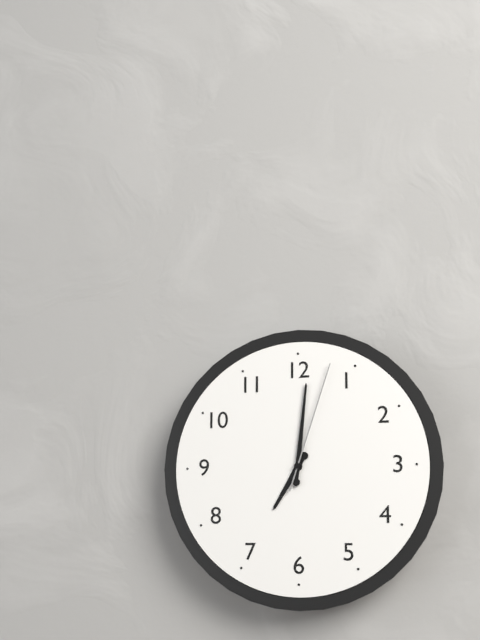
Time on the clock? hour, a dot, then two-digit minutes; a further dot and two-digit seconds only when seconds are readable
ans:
7.01.03
